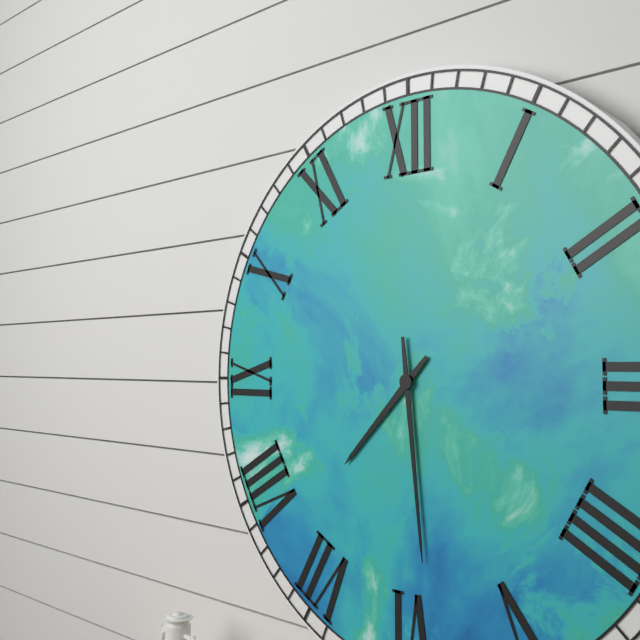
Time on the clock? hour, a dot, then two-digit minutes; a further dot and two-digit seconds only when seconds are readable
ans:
7.29
